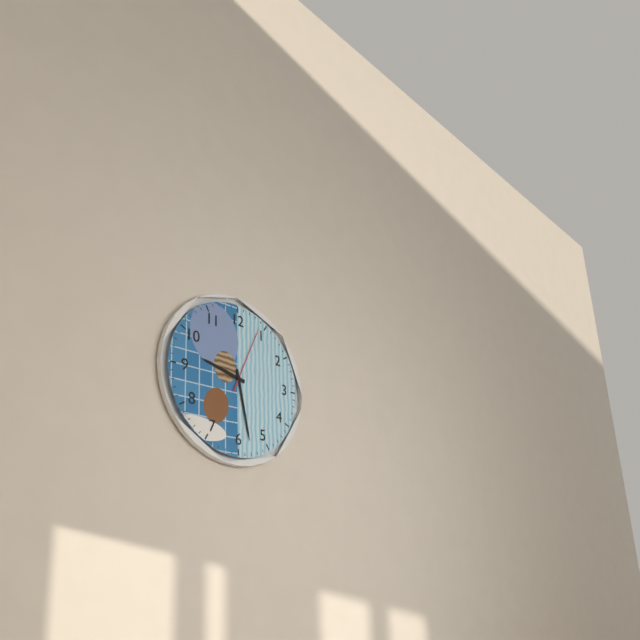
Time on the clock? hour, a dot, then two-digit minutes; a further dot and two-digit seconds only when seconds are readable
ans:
9.28.04
